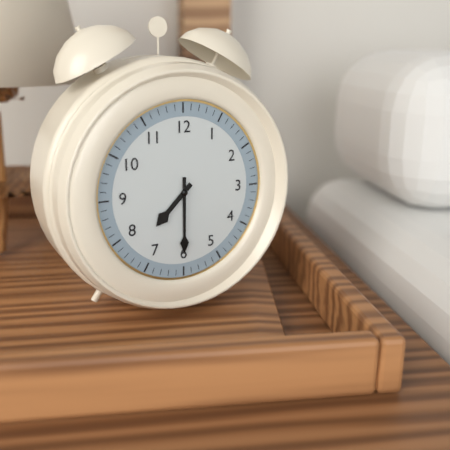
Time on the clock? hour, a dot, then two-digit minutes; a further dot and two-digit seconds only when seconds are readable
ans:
7.30
